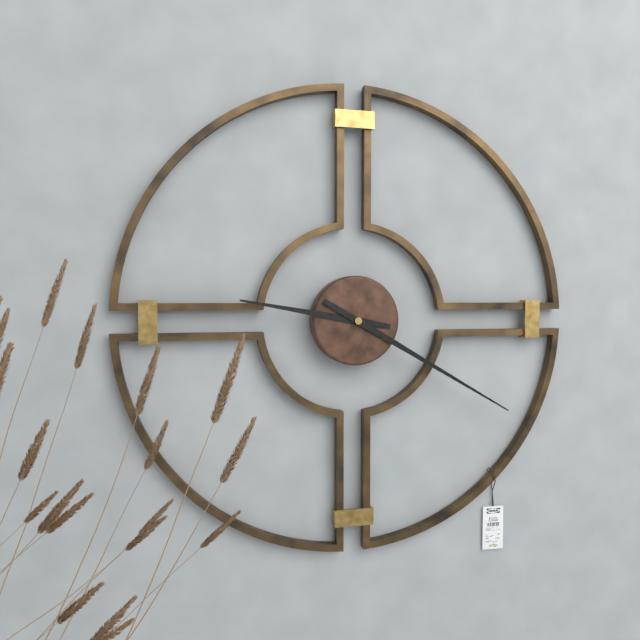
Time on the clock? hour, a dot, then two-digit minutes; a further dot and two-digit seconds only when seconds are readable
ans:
9.20
